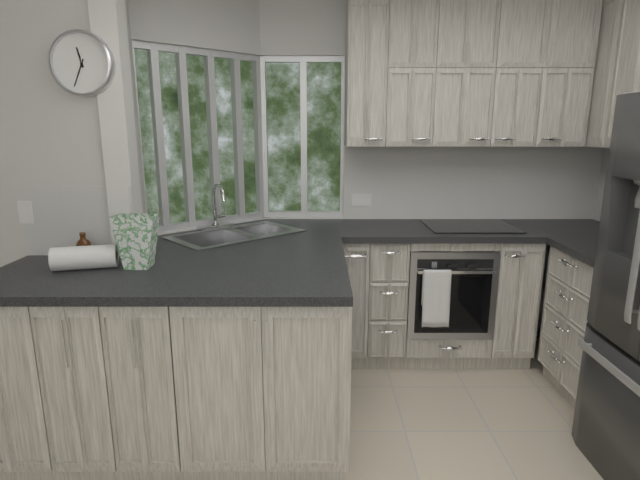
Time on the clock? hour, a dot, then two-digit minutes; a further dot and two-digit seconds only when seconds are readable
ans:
11.34
